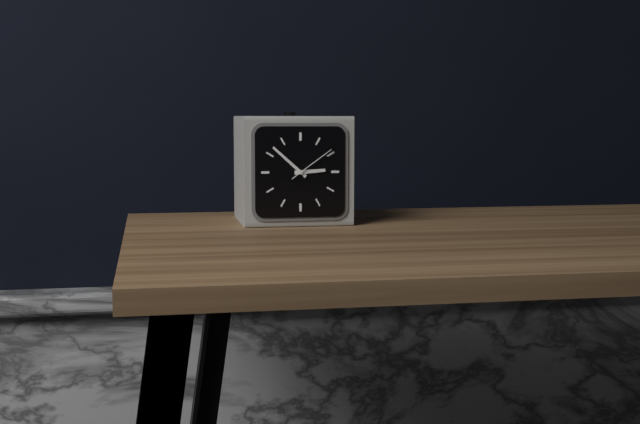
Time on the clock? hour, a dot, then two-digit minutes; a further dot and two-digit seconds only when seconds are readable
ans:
2.52
